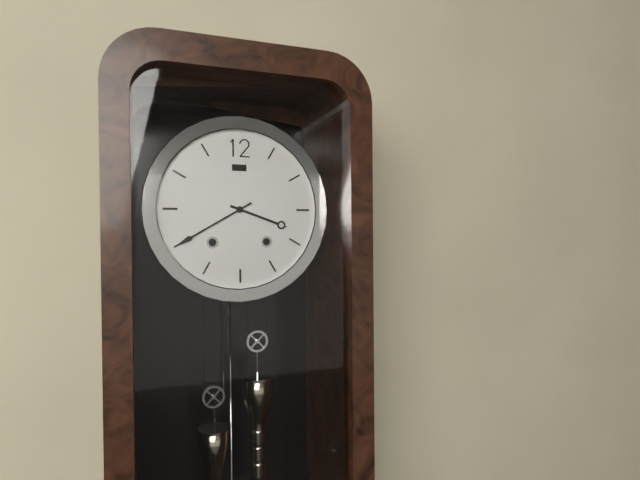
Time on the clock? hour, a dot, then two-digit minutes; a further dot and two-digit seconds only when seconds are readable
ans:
3.40
